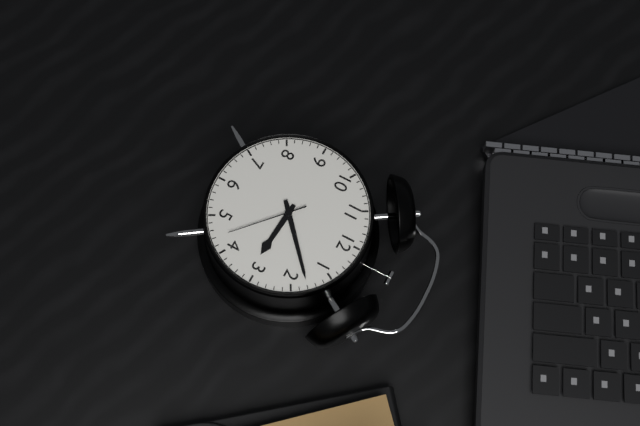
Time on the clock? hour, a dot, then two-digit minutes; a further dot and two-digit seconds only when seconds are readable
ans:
3.08.22
